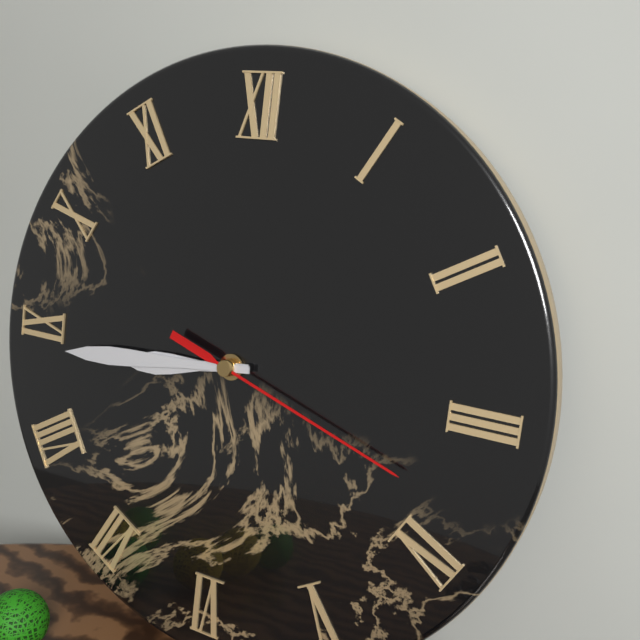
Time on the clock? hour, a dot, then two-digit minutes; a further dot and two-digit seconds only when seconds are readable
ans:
8.44.18
